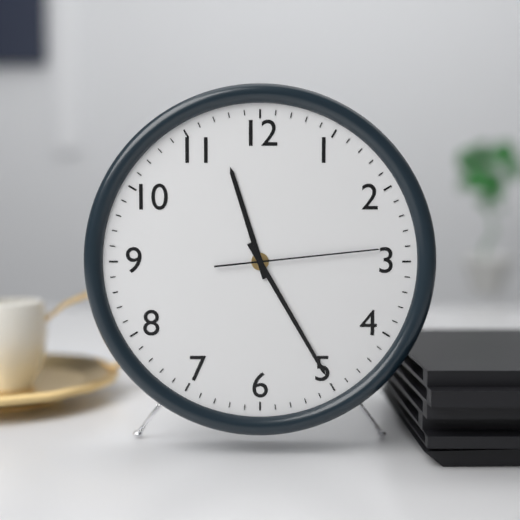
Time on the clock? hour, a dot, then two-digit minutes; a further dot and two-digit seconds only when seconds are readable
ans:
11.25.14
